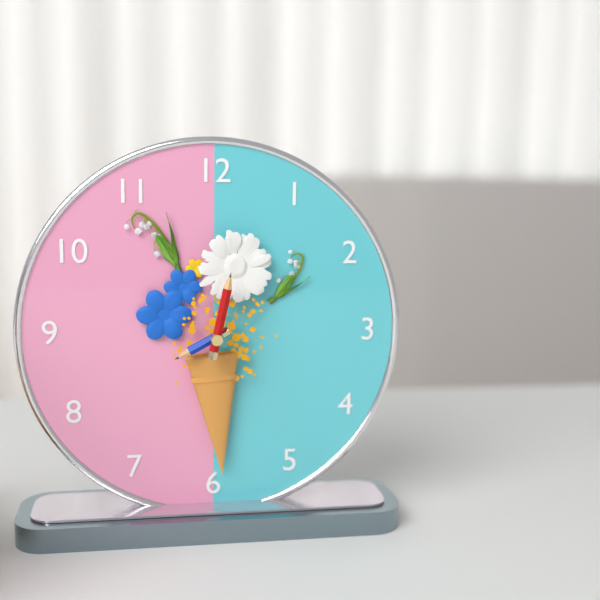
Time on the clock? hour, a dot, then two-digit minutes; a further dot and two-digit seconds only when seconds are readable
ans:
8.02
